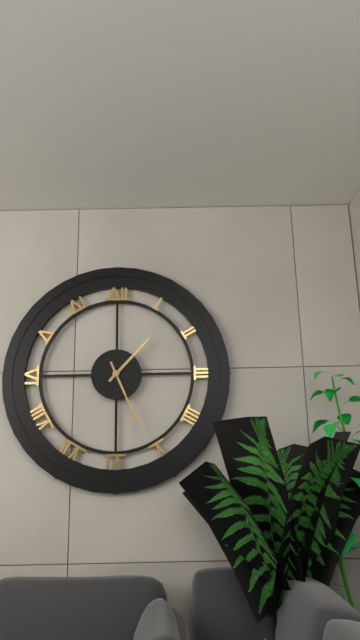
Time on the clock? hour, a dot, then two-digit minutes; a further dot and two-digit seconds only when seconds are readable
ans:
1.26
